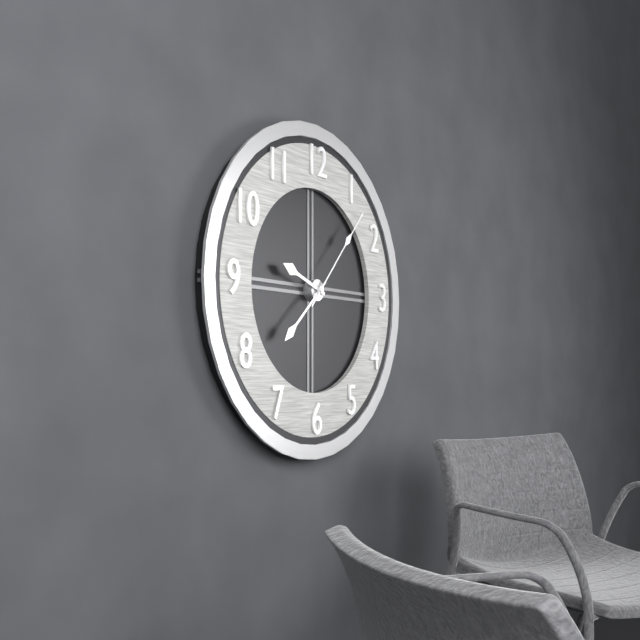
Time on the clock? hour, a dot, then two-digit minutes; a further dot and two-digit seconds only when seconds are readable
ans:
9.38.07
